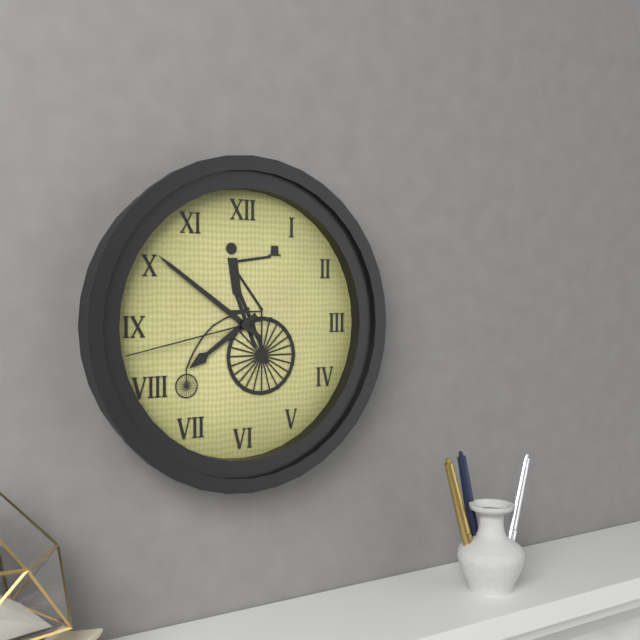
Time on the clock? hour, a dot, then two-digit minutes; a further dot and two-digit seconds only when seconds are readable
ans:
7.51.43
